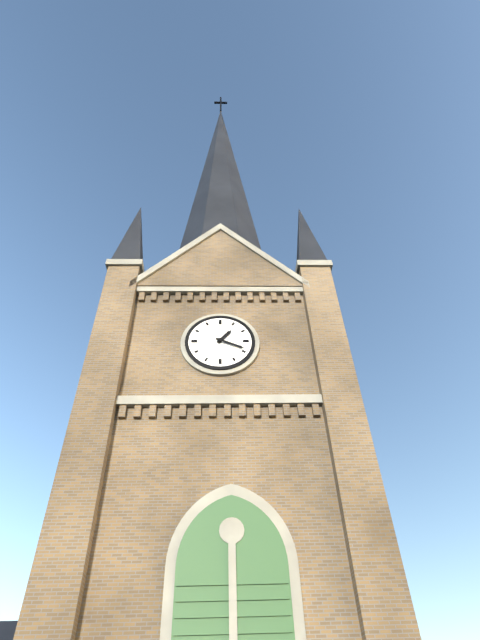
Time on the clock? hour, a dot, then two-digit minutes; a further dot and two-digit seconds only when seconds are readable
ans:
1.19
